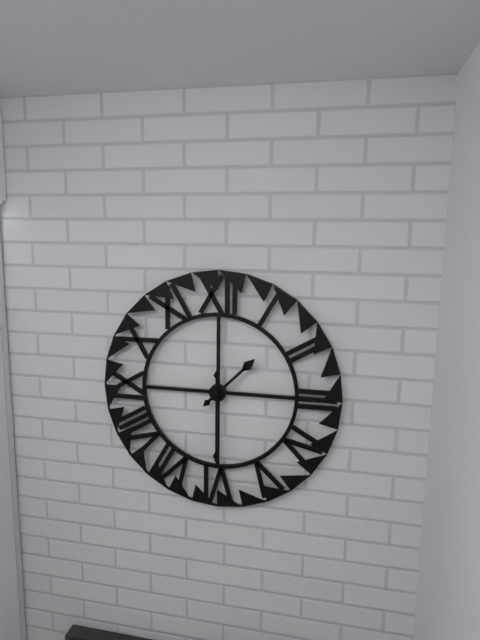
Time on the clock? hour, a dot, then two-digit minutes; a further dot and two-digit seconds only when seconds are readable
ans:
1.30
